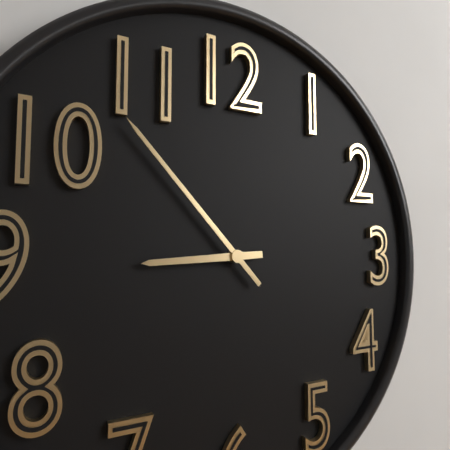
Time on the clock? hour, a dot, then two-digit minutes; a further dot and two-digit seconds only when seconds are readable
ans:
8.53
